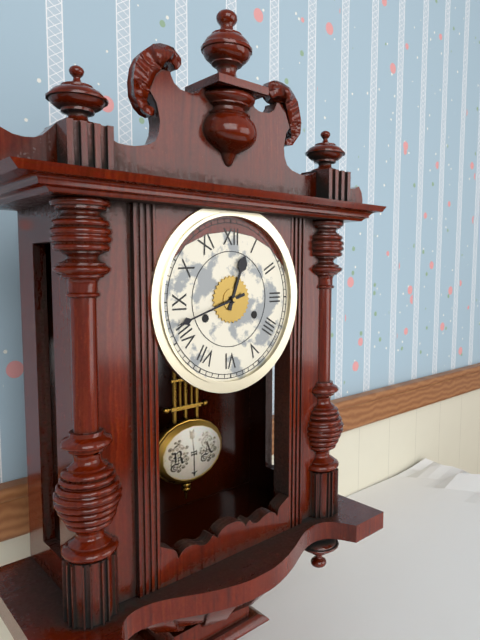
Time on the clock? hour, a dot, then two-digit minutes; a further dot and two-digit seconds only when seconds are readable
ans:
12.42
